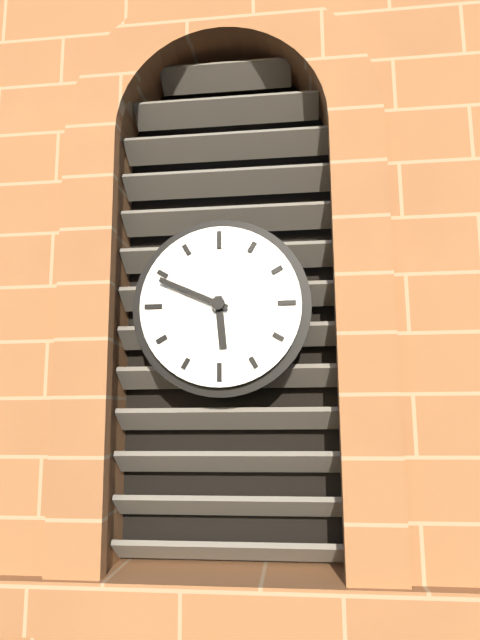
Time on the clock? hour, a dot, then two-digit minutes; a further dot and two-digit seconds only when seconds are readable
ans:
5.49
